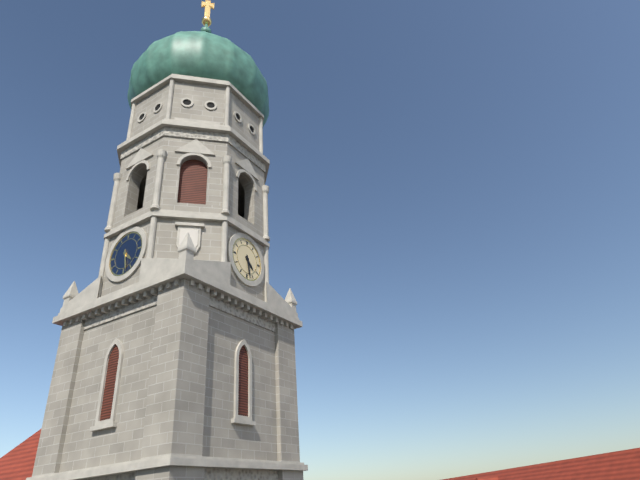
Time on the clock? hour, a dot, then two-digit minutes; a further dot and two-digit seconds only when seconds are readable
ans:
4.28
